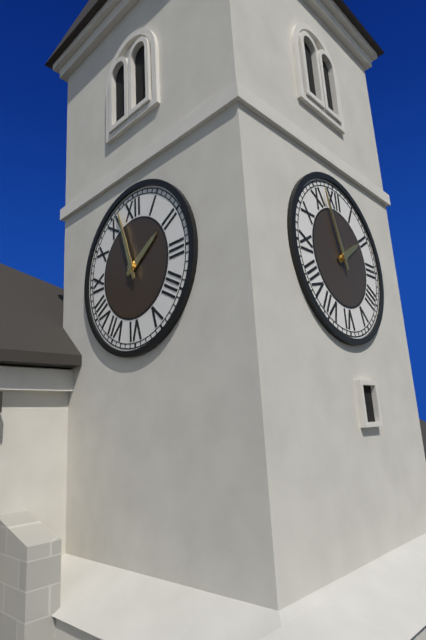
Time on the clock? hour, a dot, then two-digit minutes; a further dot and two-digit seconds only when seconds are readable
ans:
1.57
